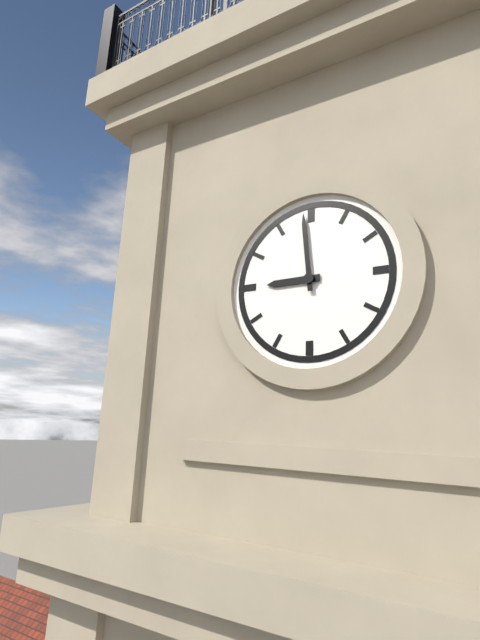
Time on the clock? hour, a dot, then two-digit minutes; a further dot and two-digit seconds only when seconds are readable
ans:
8.59
